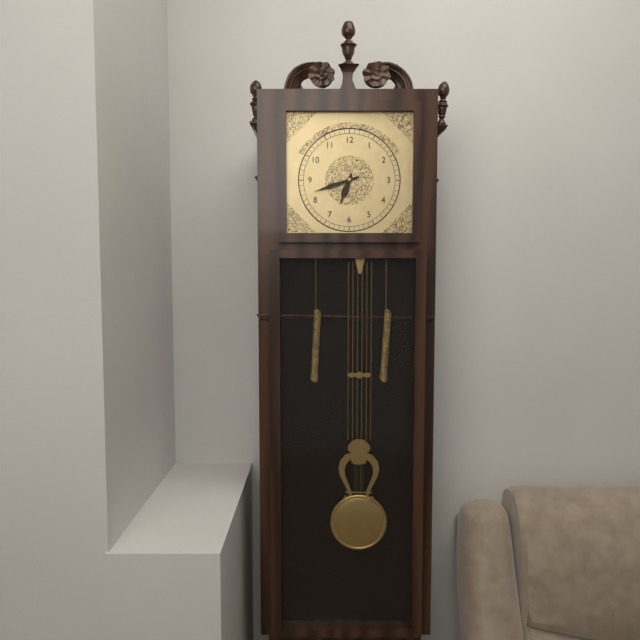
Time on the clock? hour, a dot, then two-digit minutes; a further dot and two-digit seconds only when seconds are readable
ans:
6.42
